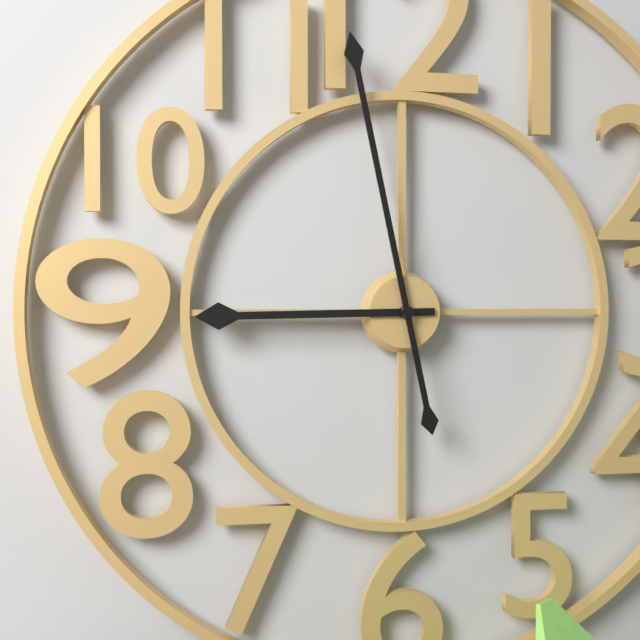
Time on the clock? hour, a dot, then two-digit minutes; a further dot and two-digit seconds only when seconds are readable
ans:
8.58
